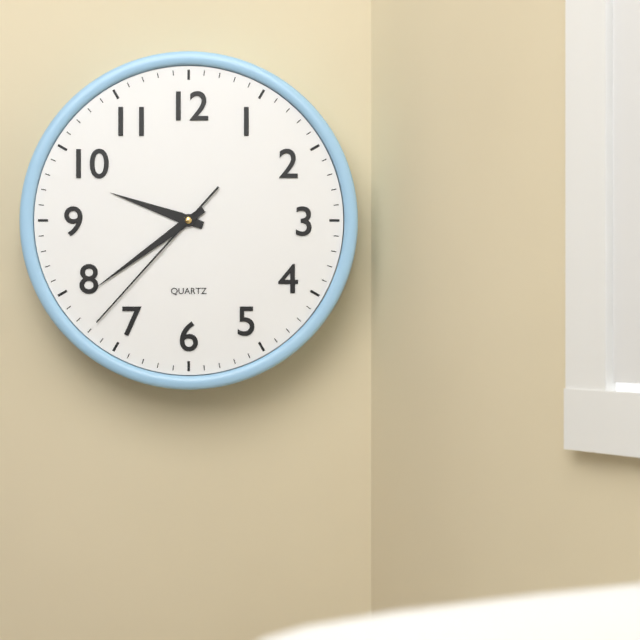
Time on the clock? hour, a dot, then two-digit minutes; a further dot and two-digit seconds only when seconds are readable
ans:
9.39.37
